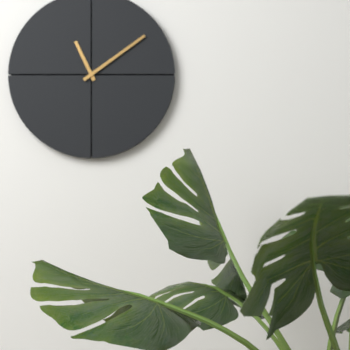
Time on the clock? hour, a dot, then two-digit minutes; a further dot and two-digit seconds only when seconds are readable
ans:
11.09
